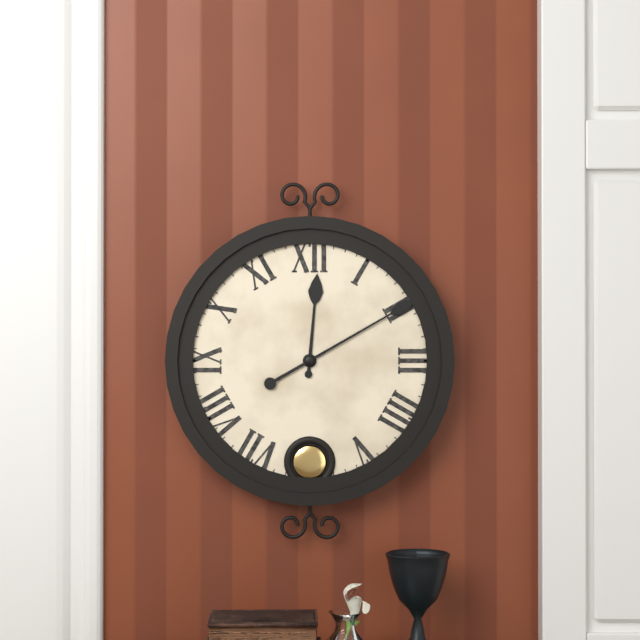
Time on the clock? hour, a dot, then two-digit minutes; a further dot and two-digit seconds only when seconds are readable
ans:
12.10
